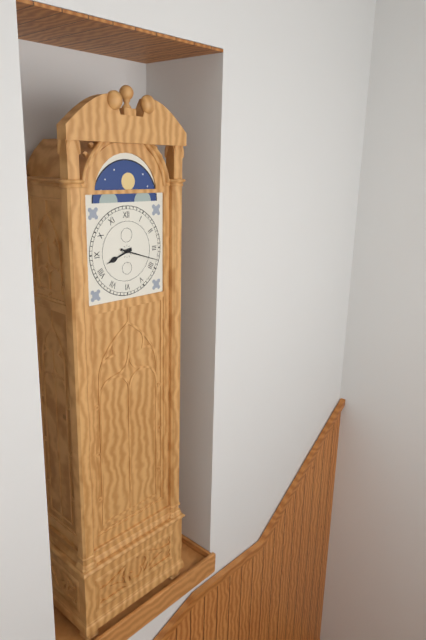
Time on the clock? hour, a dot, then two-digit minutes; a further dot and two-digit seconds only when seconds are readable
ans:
8.18
